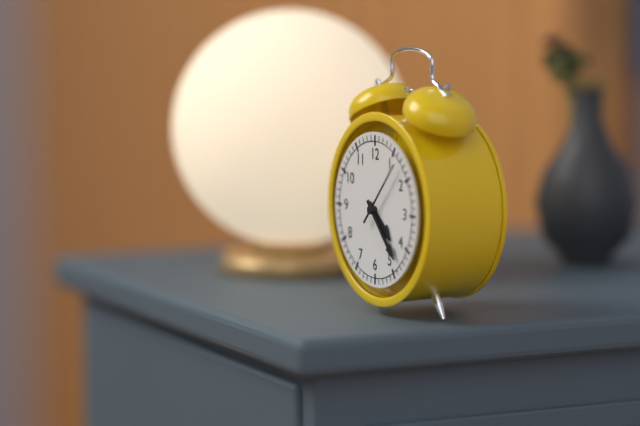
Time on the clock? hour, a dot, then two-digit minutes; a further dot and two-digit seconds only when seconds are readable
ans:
4.23.07
